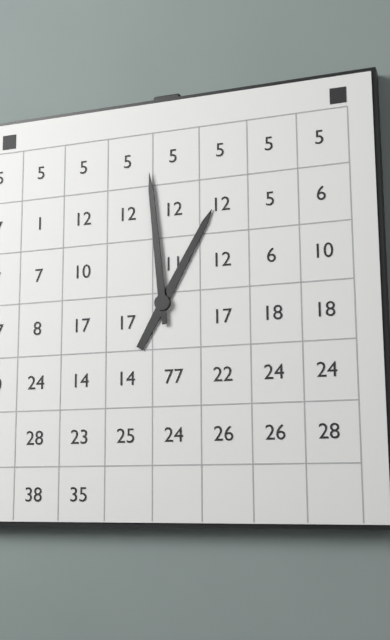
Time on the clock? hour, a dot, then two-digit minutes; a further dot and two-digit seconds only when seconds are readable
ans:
12.59
